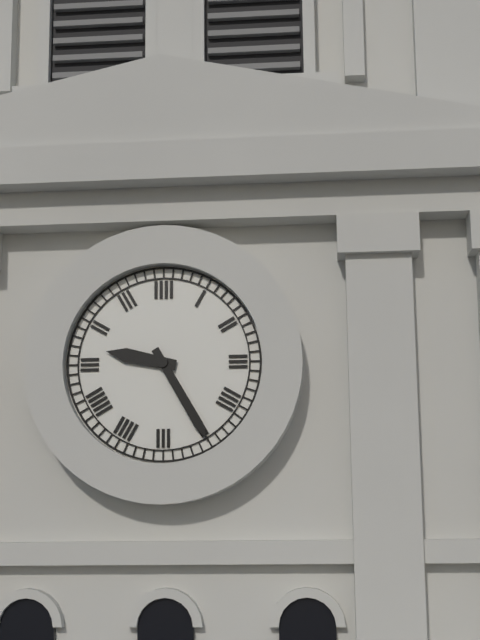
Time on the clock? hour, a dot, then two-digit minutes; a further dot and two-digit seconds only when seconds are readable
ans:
9.25
